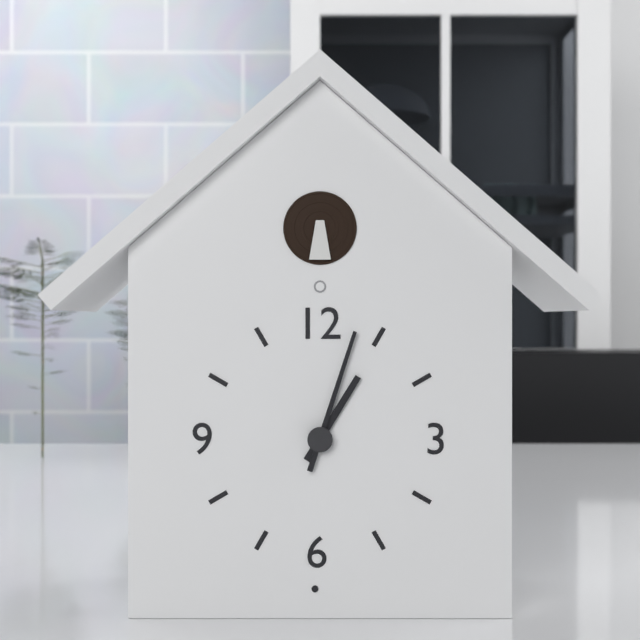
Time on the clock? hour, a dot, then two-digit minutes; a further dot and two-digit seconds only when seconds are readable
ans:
1.03
